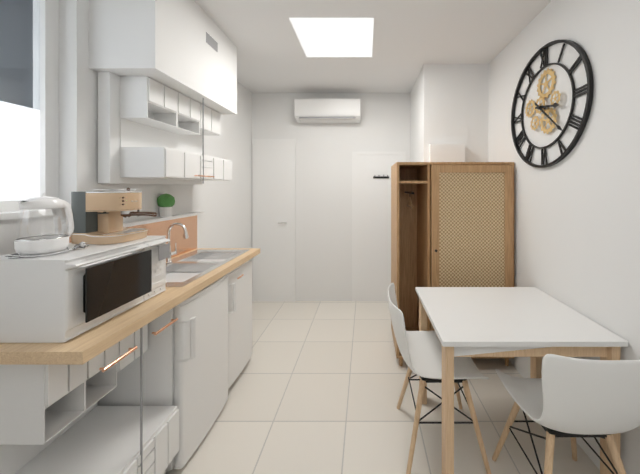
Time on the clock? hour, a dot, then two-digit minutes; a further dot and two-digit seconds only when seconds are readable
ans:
3.22
